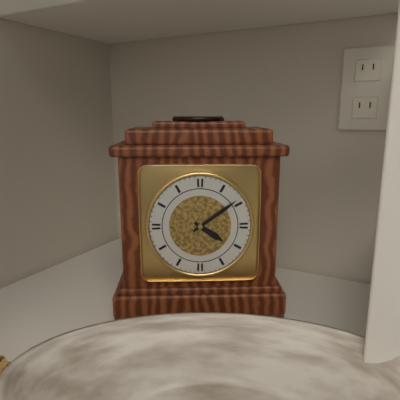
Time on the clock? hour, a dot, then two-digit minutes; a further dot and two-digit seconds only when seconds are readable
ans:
4.09
